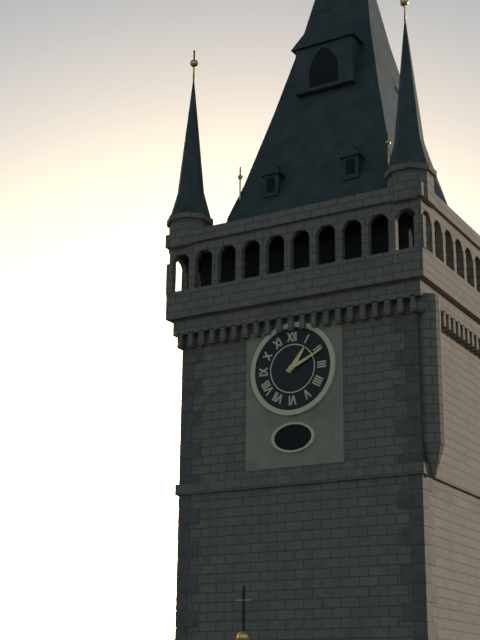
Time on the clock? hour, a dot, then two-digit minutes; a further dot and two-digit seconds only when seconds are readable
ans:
1.11
